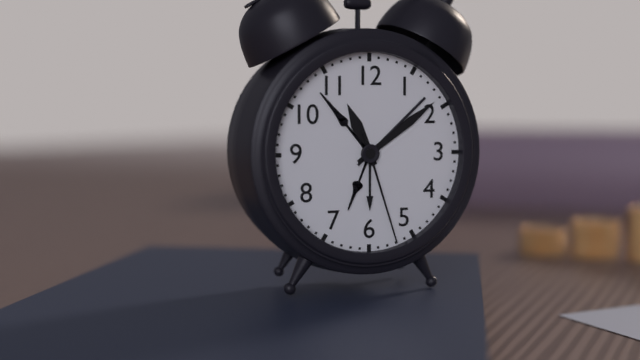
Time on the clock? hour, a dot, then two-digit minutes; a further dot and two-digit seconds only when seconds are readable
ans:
11.09.27
